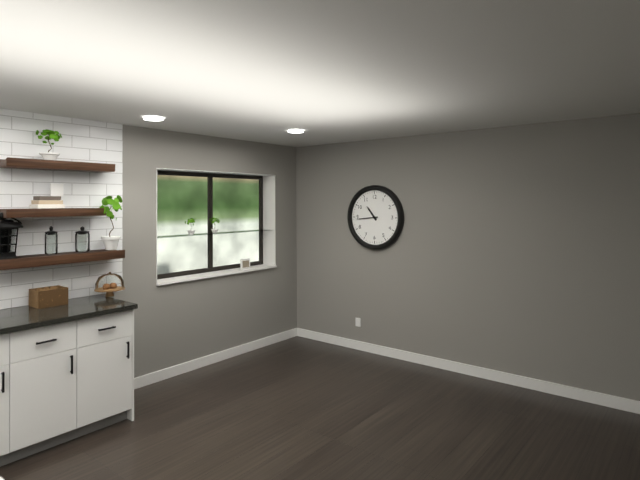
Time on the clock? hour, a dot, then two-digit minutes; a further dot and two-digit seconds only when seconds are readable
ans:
10.44
